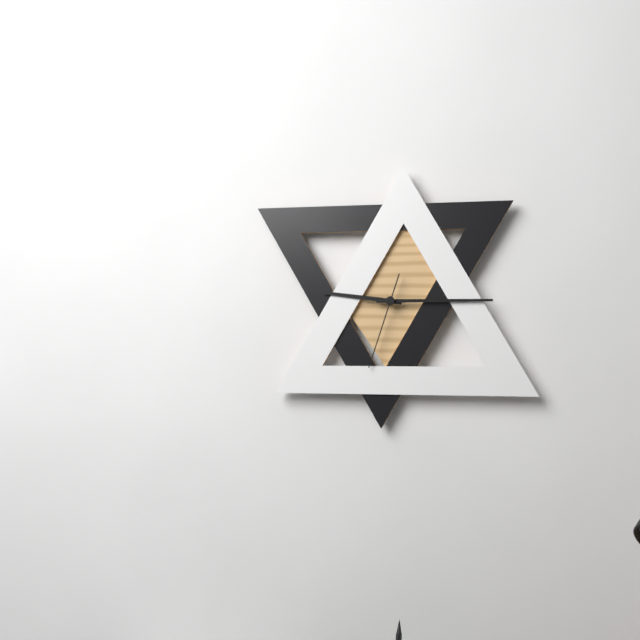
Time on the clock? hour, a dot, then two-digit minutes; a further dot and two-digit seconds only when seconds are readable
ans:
9.15.33
